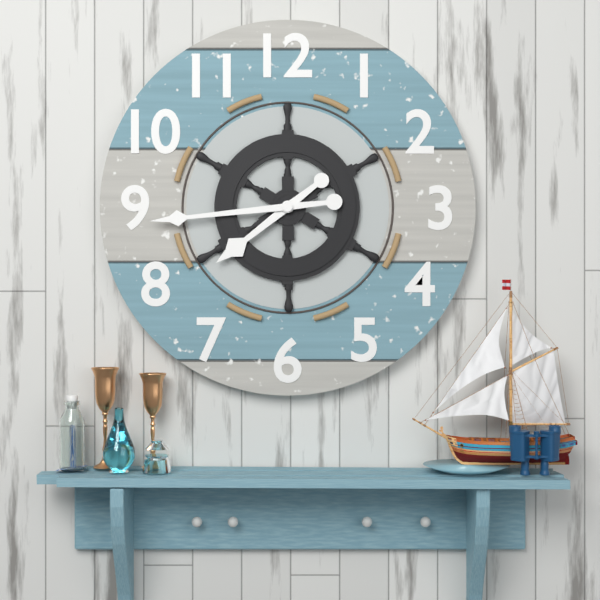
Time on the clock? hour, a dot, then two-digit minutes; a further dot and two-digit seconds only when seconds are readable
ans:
7.44
